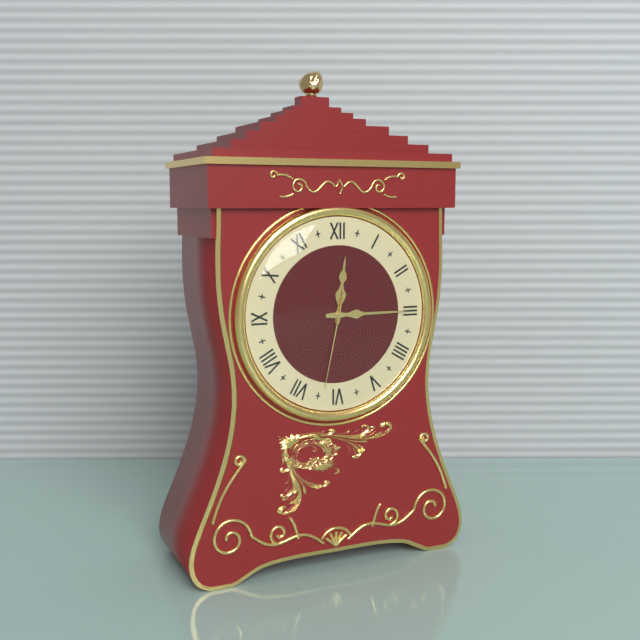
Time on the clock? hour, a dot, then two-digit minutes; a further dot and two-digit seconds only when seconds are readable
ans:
12.15.32
